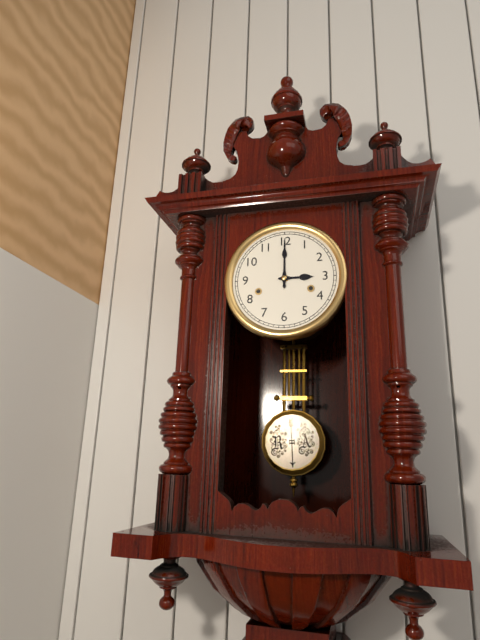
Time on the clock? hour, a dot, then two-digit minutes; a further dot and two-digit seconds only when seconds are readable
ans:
3.00
